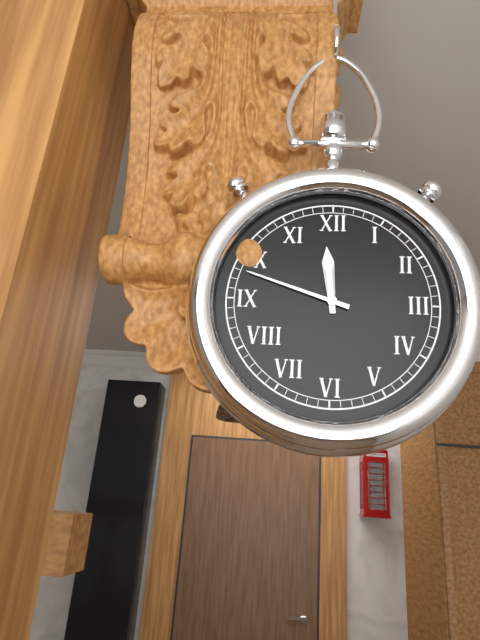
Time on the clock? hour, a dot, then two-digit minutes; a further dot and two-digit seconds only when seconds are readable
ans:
11.48
